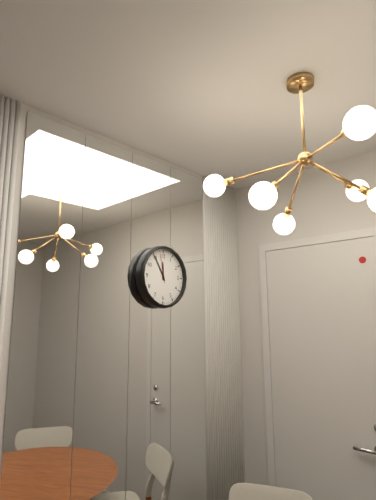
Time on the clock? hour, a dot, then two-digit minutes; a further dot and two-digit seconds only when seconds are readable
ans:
11.55
